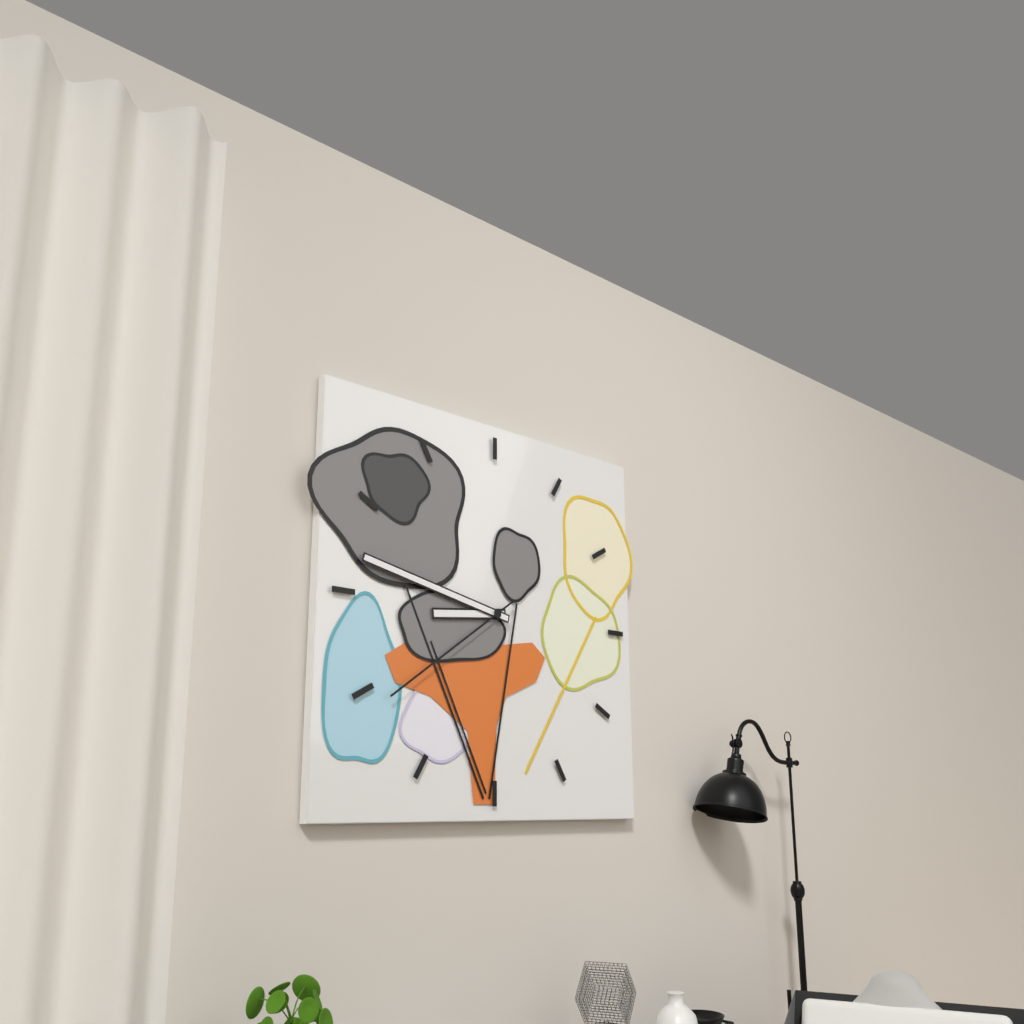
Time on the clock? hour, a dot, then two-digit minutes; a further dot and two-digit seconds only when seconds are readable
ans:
8.47.39
